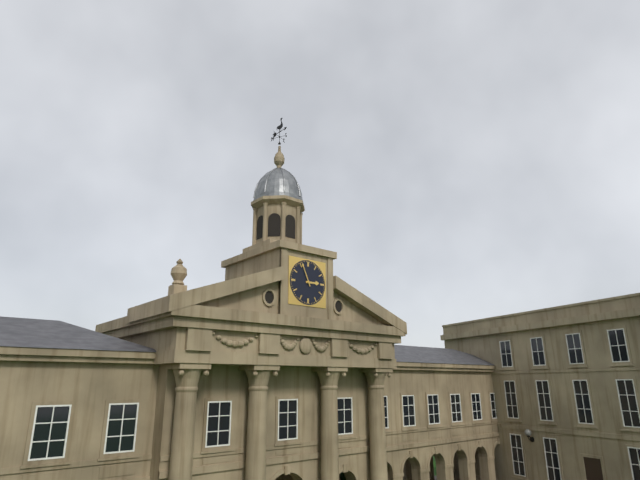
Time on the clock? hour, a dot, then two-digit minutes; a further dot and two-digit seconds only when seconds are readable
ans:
2.56
